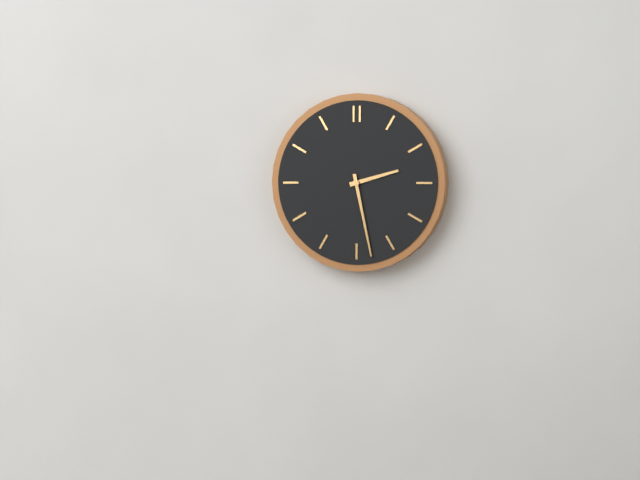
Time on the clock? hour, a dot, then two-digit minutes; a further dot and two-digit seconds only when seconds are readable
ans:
2.28
